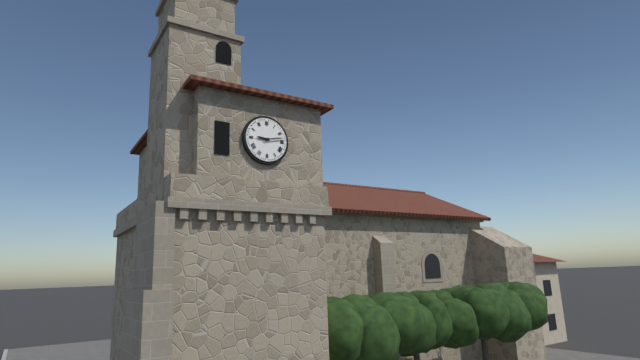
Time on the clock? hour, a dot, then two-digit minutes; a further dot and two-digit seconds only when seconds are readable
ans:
9.13
